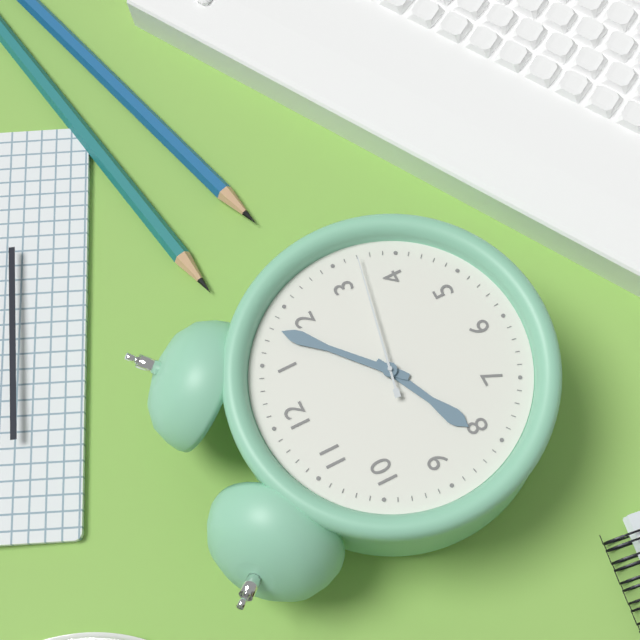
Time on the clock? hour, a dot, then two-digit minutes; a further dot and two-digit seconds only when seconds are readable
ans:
8.08.17
